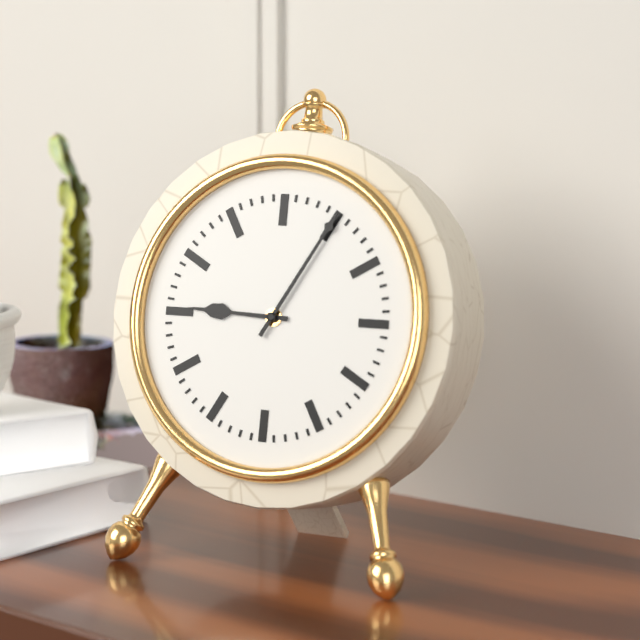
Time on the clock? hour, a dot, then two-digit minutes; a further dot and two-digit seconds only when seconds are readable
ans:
9.05
